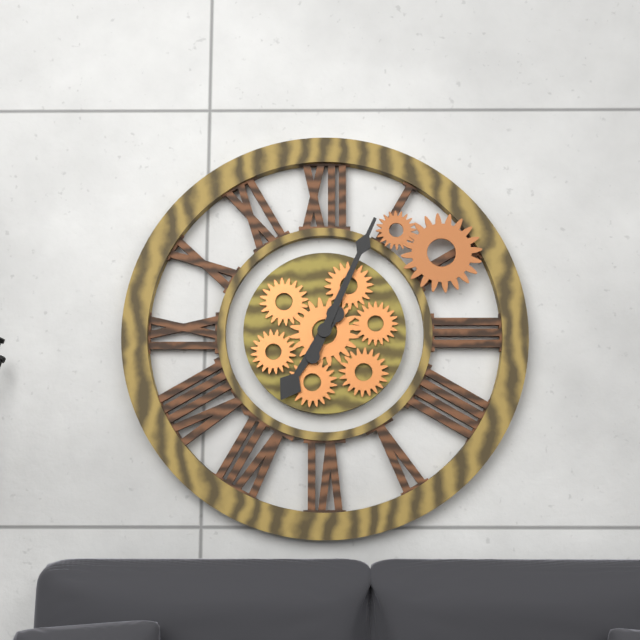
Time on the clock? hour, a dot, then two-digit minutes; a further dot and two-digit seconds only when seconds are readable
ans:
7.04
